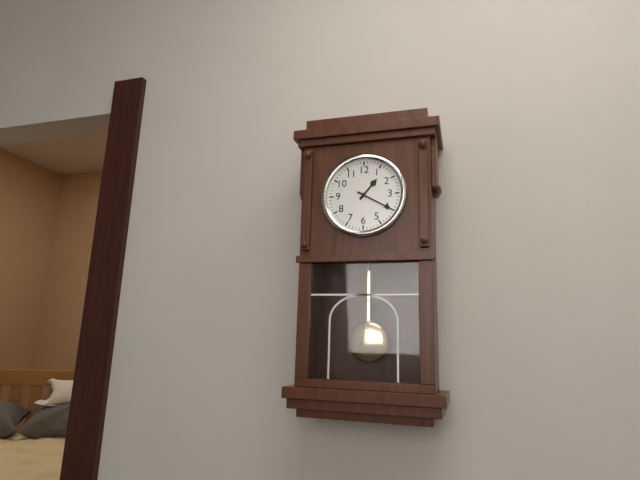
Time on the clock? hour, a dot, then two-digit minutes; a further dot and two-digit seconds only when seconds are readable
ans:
1.20
